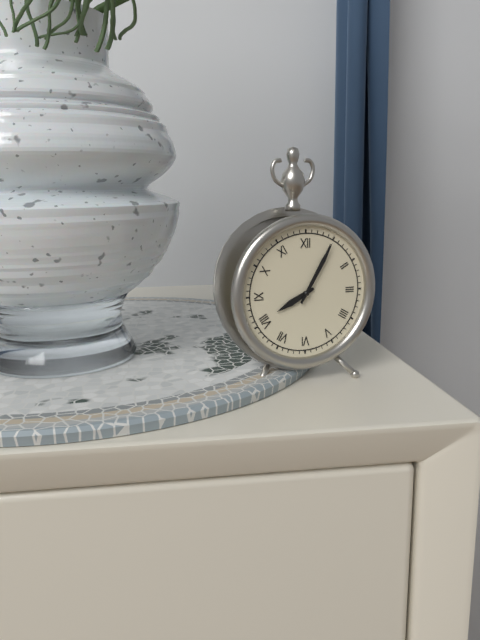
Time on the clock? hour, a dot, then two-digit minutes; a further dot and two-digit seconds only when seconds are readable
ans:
8.05
